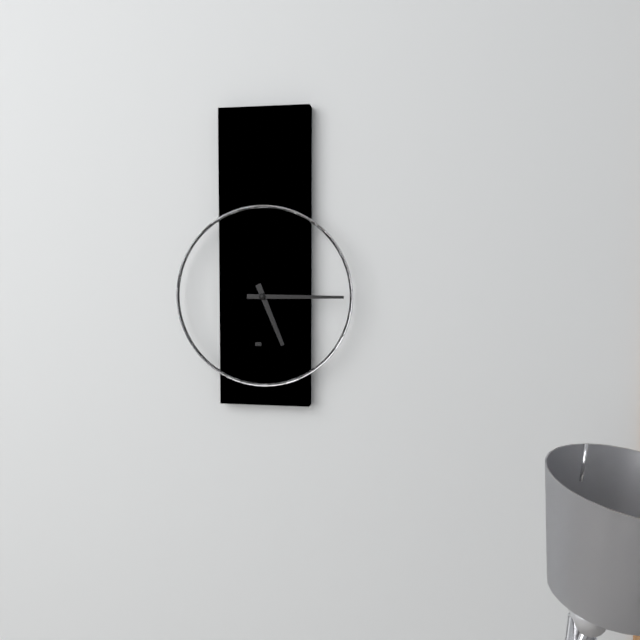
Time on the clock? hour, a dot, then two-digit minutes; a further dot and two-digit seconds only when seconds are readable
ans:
5.15
